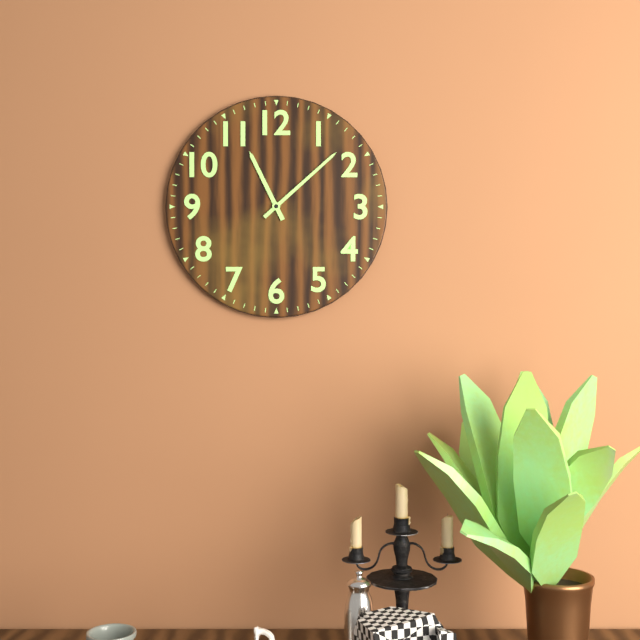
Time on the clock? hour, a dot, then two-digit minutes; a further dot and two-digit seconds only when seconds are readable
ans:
11.08
